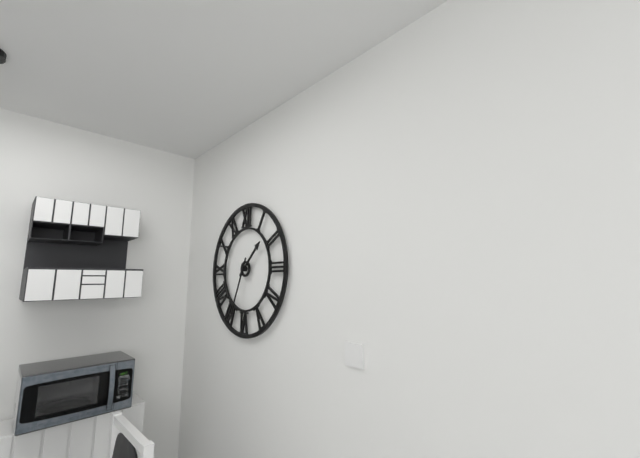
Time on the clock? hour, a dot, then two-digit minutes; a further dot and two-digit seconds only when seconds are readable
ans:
1.34
